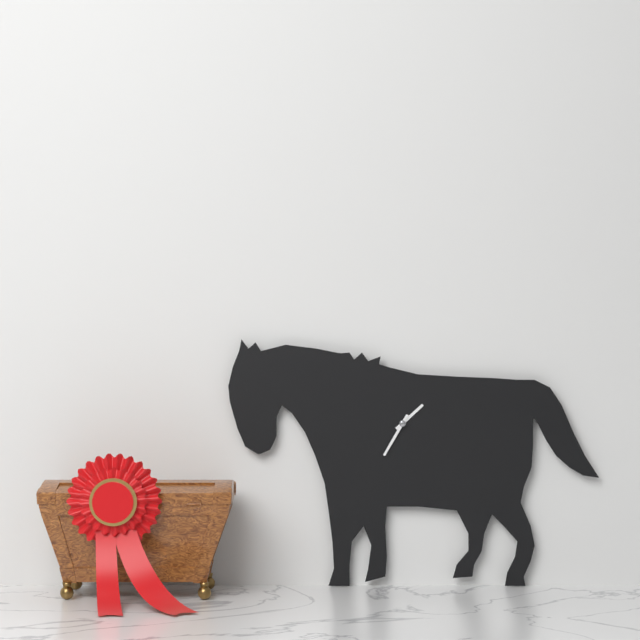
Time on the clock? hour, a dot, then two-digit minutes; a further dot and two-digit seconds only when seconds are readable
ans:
1.35
